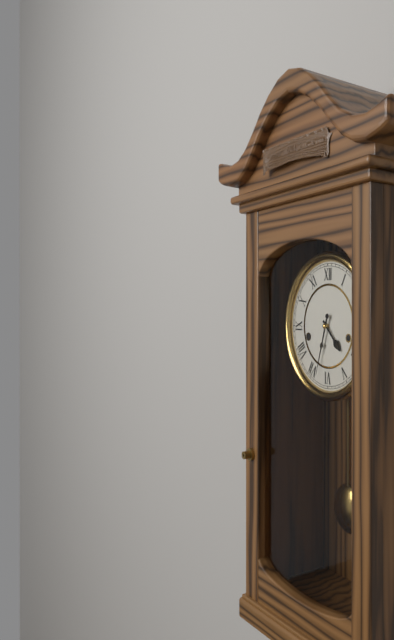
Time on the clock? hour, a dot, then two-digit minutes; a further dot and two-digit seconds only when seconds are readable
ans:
4.33
